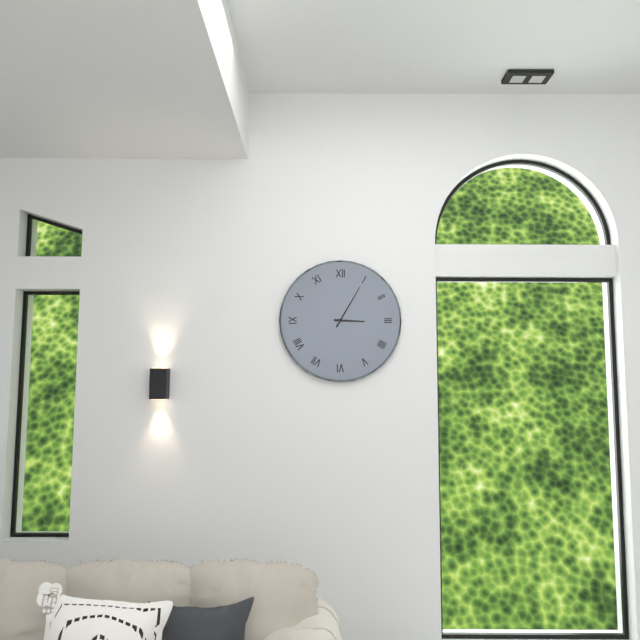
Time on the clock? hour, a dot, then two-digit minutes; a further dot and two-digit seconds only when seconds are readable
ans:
3.05
